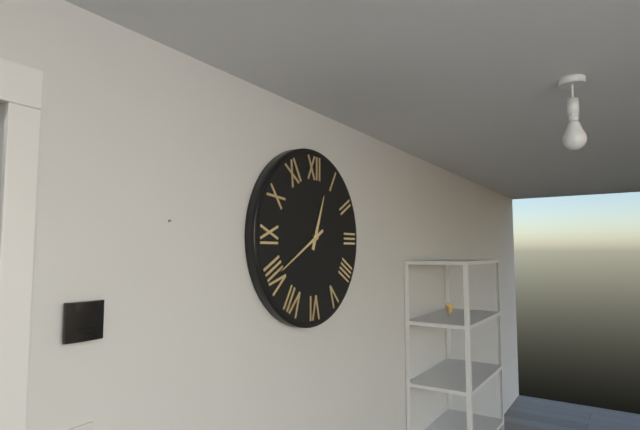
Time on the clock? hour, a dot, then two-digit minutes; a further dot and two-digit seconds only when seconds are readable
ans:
12.40
